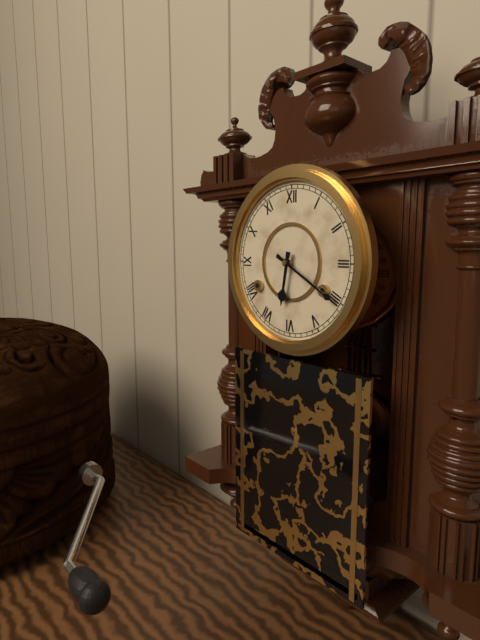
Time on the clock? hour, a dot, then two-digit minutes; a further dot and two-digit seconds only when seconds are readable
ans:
6.20
